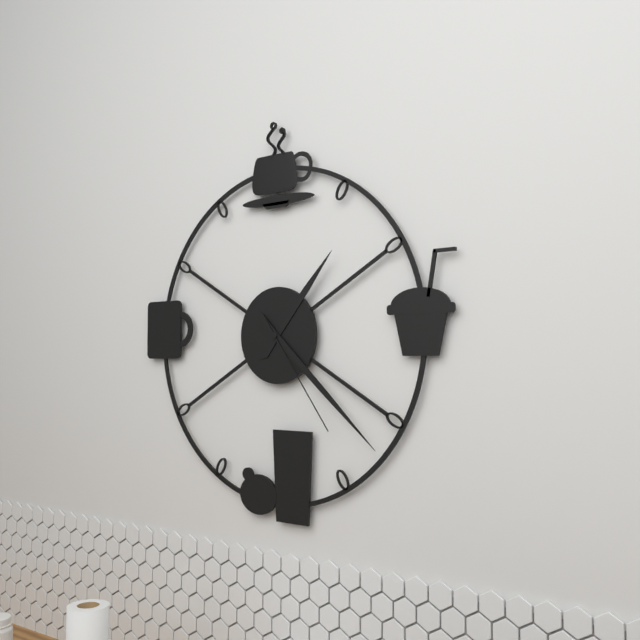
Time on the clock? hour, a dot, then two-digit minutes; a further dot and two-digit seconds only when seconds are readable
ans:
1.22.24
